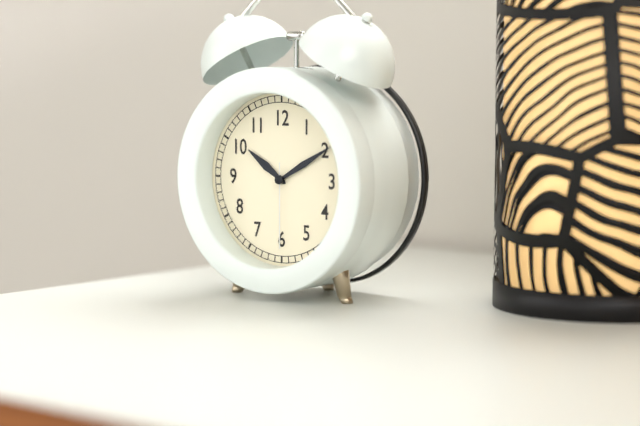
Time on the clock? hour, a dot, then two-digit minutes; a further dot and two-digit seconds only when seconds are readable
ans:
10.10.30
